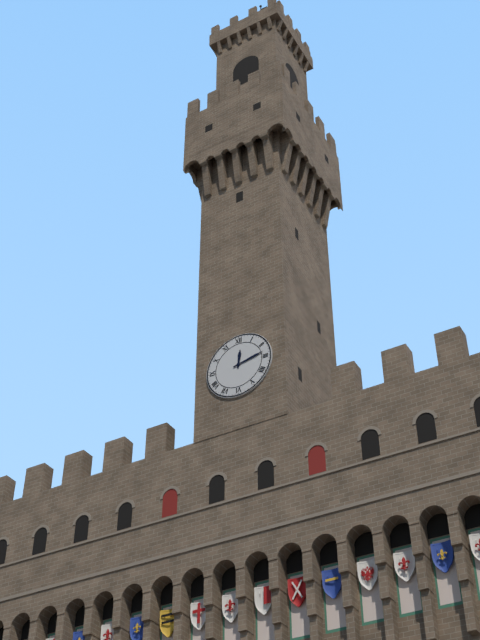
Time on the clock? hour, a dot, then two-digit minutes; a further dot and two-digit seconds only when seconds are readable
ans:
12.13
